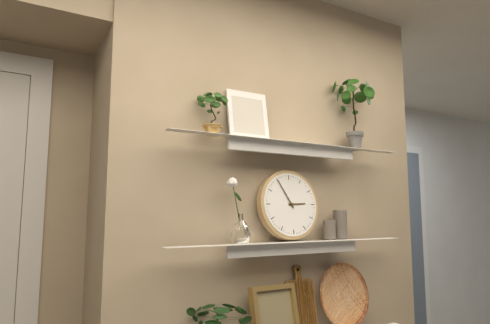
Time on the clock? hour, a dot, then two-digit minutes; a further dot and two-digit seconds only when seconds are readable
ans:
2.55
